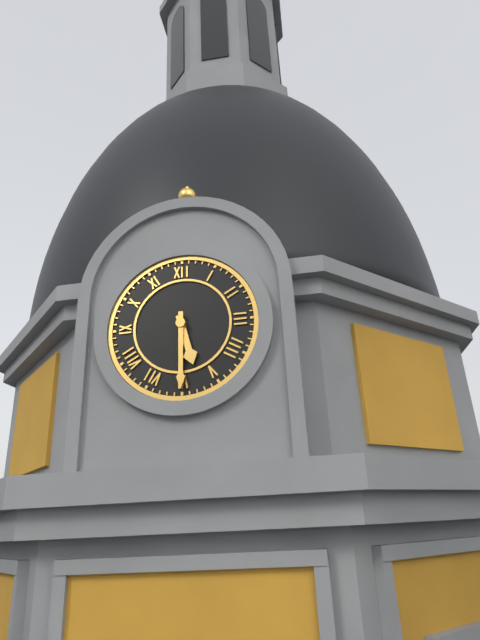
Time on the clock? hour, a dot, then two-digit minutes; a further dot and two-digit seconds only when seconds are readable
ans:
5.30
